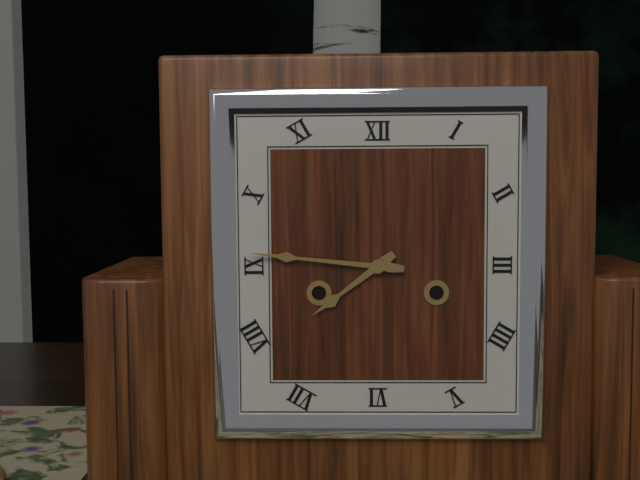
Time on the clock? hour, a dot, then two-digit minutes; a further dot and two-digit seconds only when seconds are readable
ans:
7.46
